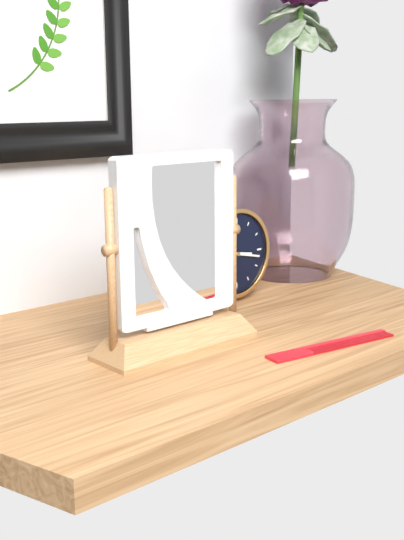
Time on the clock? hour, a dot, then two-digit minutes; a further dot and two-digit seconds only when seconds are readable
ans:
3.17
